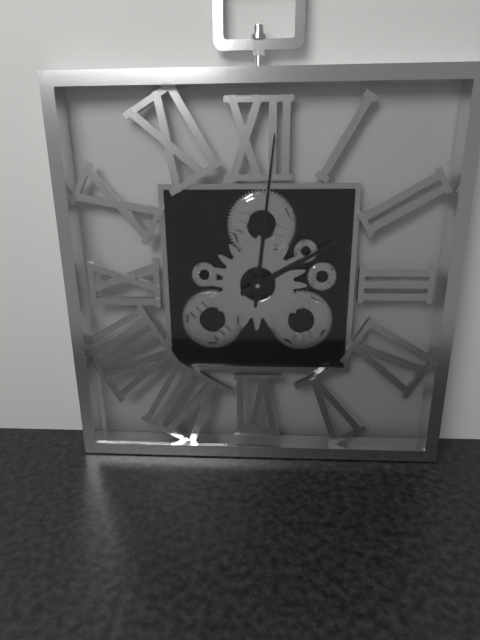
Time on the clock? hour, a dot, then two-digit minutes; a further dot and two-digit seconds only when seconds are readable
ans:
2.01
